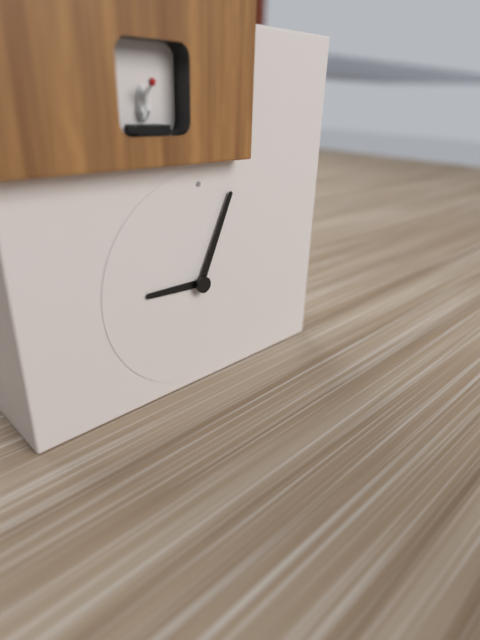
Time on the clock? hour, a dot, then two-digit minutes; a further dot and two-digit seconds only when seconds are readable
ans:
9.04
